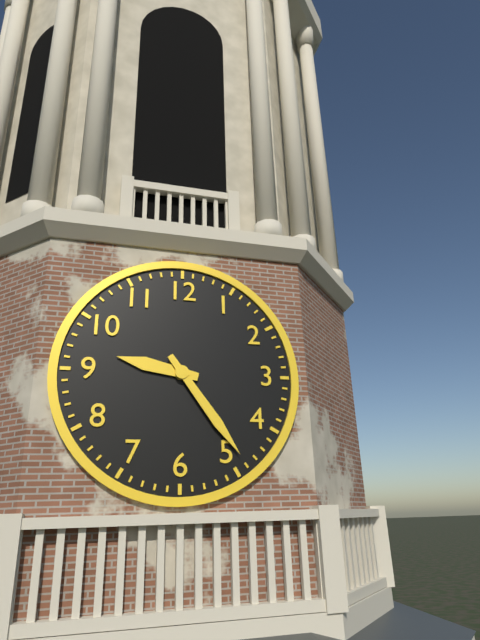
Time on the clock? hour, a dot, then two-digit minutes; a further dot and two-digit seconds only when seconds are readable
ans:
9.24
